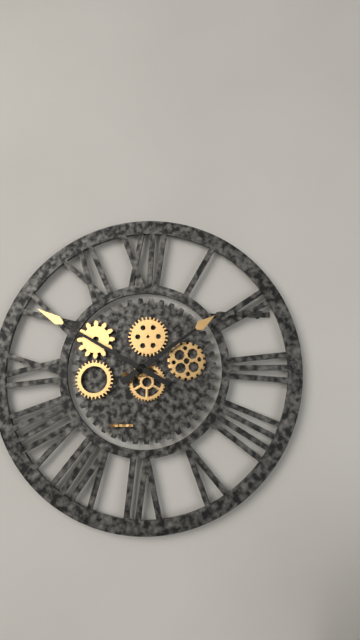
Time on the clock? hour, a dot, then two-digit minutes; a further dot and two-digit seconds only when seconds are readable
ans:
1.50
